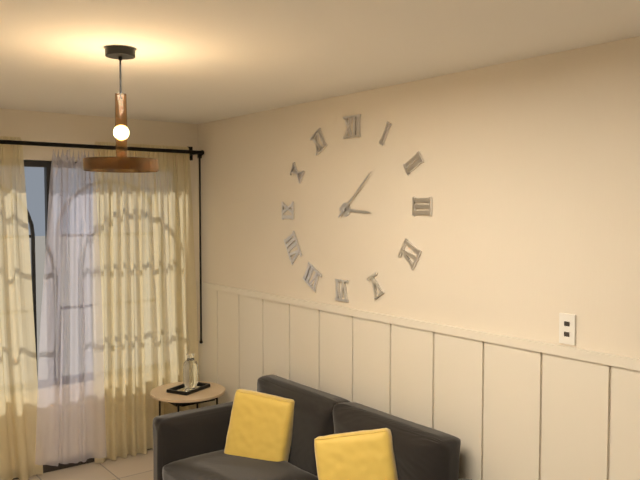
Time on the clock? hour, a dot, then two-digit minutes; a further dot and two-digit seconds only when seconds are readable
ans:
3.08
